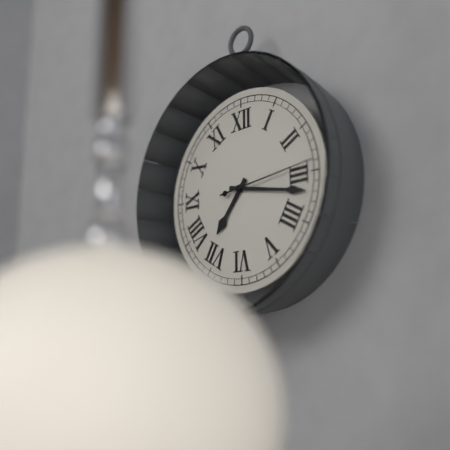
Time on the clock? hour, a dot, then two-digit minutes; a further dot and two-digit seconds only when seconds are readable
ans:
7.17.14
